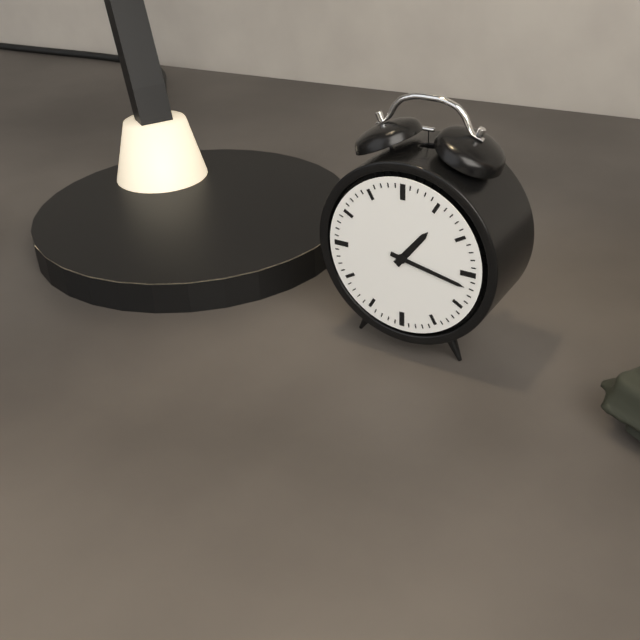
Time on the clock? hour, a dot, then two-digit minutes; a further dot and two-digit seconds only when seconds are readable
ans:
1.17
